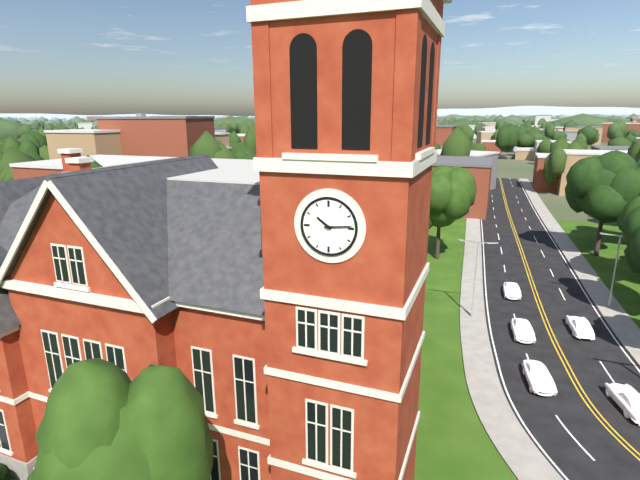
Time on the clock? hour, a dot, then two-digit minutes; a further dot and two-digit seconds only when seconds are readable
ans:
10.14
